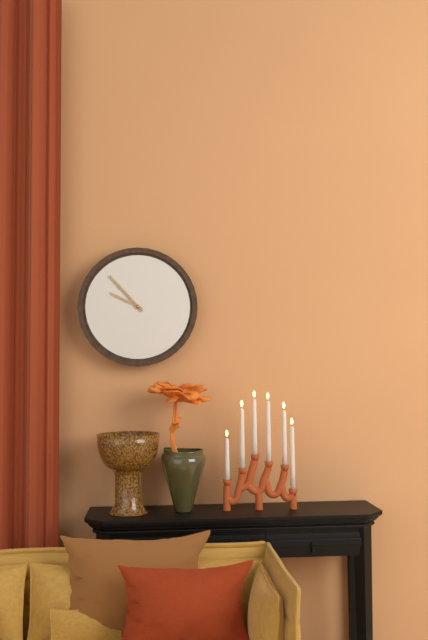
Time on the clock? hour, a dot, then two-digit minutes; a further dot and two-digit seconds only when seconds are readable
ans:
9.53
